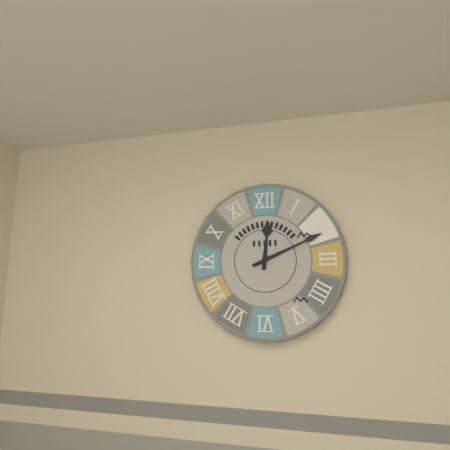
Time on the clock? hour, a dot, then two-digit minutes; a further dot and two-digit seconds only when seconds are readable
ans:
12.11
